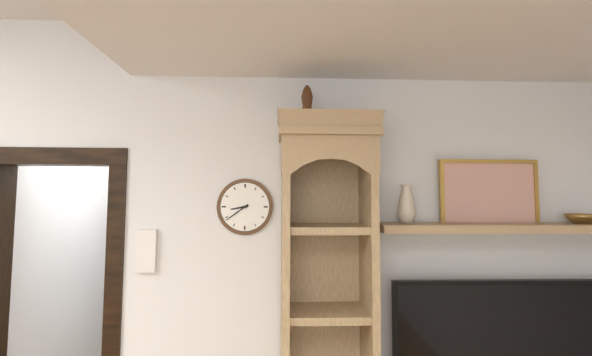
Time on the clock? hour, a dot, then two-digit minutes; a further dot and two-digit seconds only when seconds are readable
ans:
8.39
